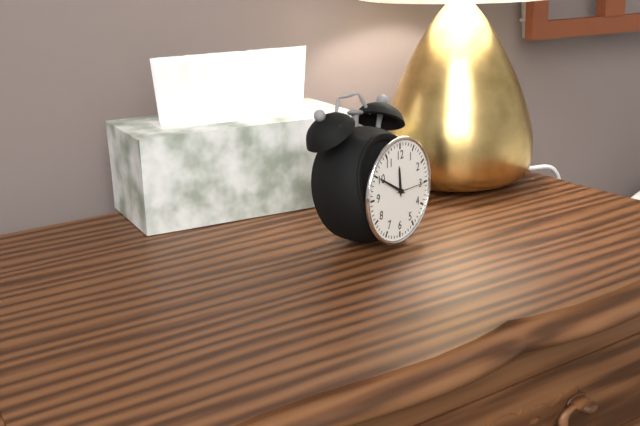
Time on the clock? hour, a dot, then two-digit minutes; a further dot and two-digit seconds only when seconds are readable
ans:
11.50
